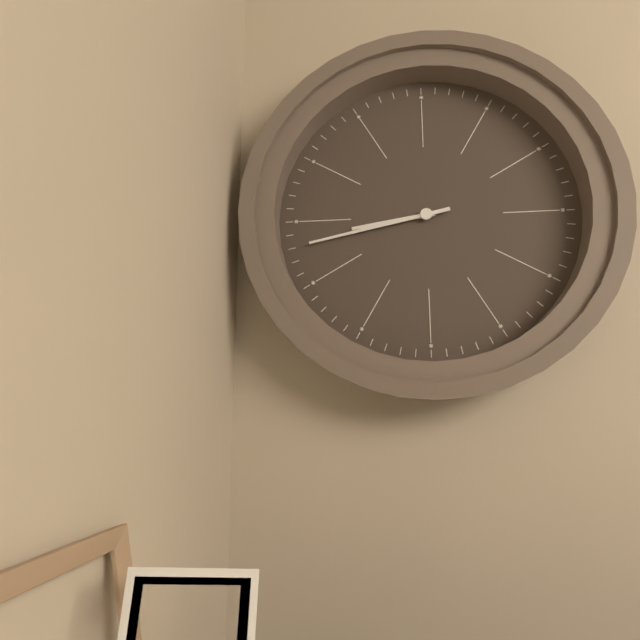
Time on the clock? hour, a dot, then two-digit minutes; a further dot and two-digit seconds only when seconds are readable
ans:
8.43
